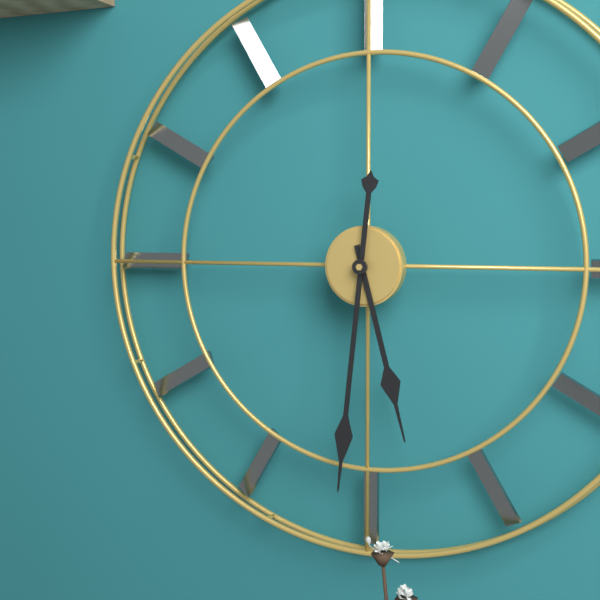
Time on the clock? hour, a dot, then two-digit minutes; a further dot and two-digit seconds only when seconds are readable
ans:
5.31
